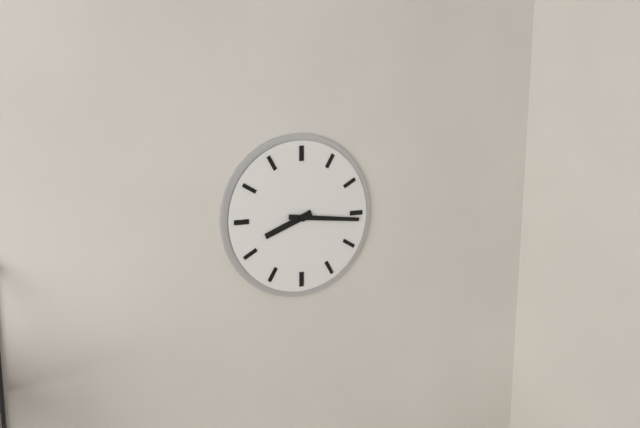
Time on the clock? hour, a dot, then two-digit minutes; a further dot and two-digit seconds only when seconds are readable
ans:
8.16
